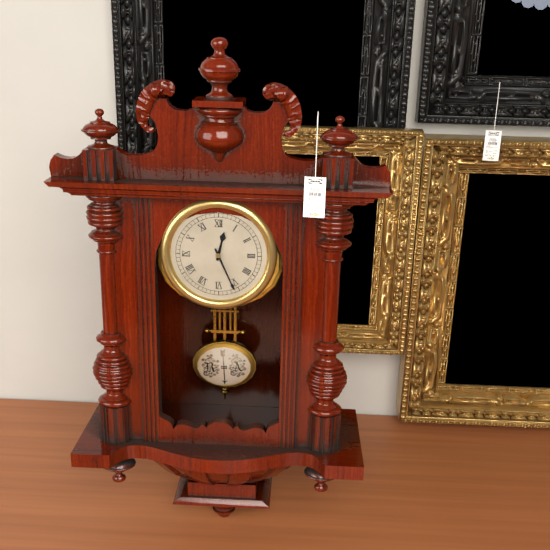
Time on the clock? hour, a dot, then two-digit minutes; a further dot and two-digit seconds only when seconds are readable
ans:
12.26
